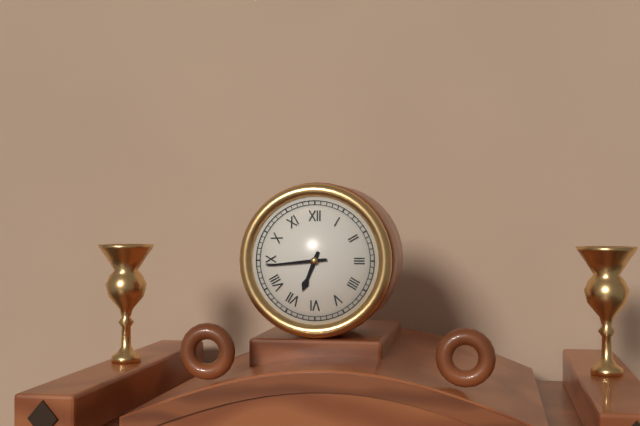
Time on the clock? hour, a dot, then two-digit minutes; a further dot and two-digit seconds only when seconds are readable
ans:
6.44
